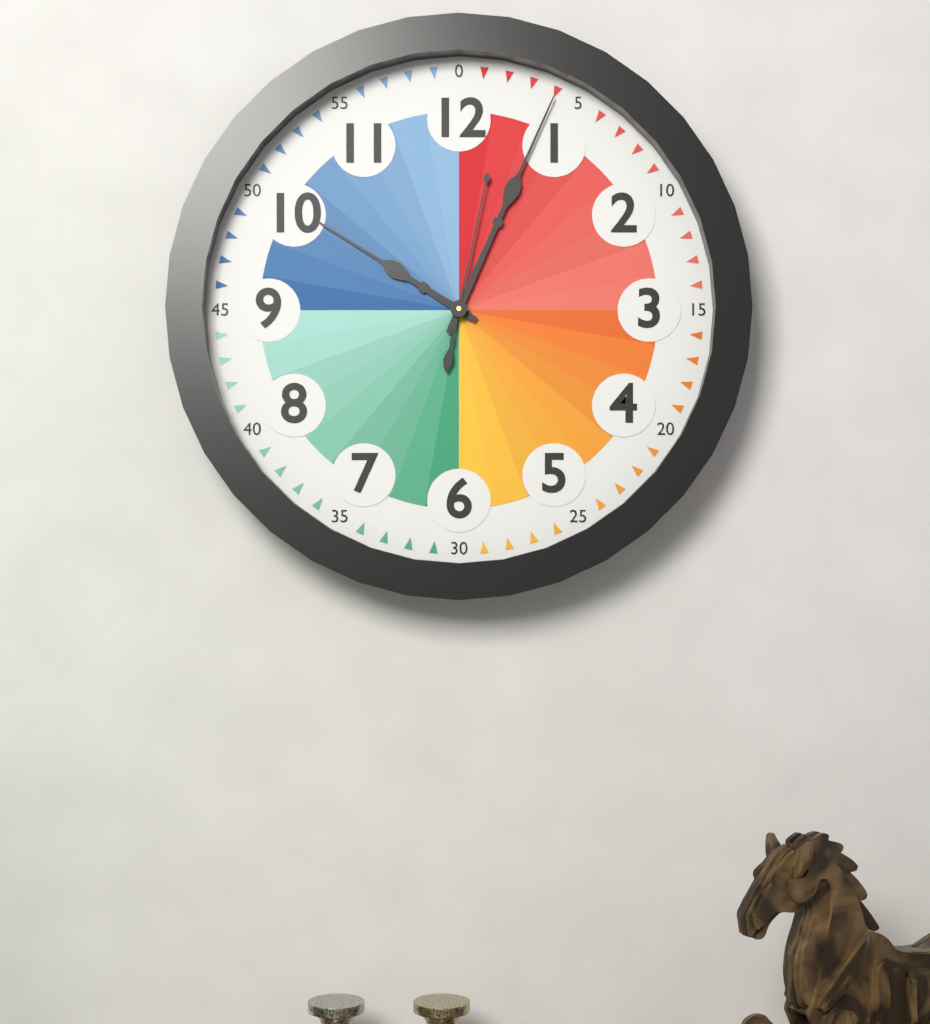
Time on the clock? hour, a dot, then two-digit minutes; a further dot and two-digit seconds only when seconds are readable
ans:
10.04.02
